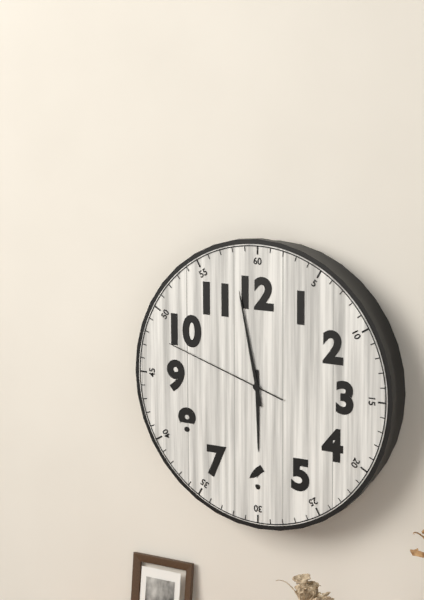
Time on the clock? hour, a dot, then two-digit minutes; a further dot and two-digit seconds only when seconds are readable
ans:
5.58.48
